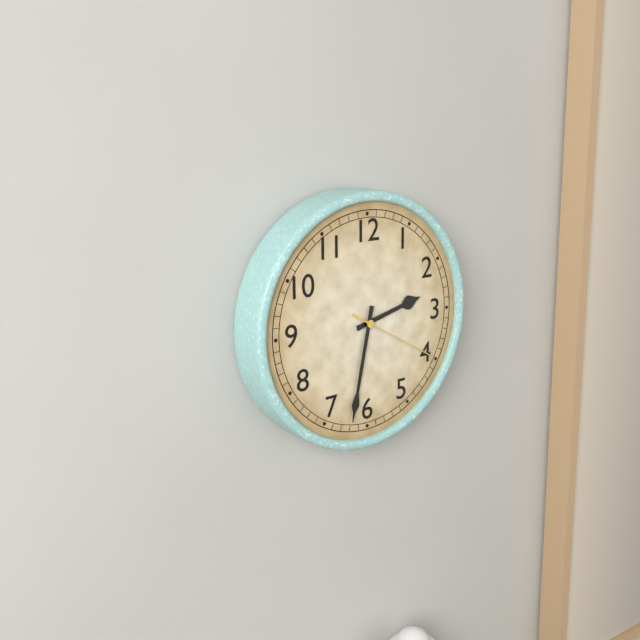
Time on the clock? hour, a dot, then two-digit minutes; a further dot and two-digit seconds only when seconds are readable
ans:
2.32.20
